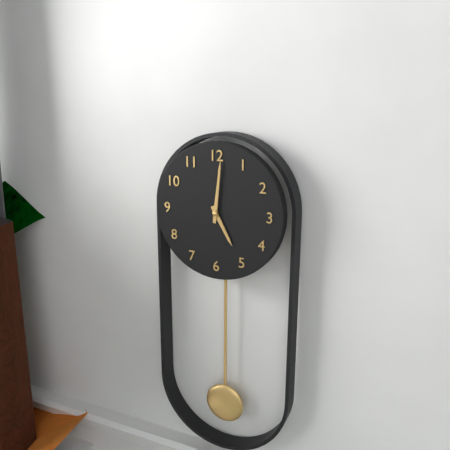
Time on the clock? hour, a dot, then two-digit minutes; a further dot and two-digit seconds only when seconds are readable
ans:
5.01
